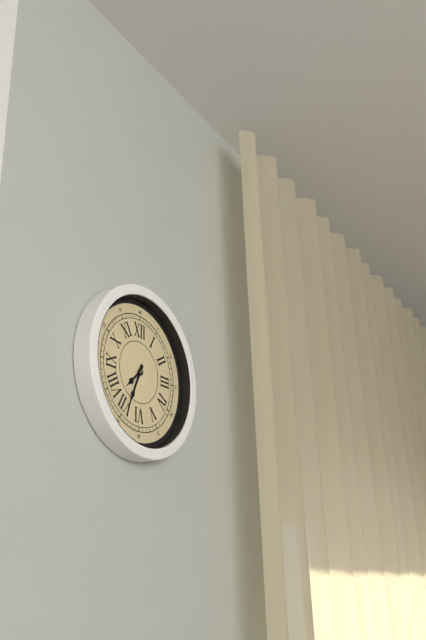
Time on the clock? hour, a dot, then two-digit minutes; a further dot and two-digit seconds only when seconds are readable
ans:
7.34
